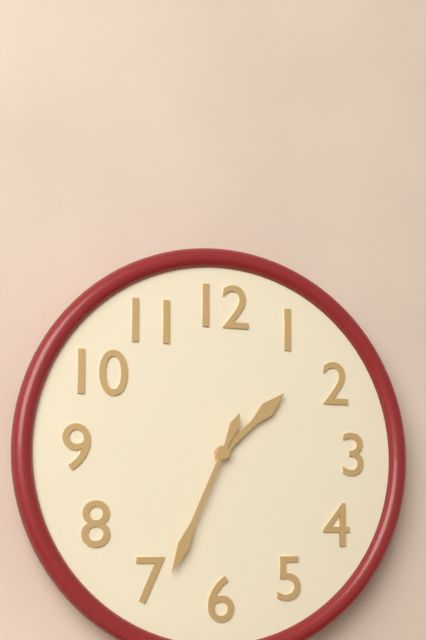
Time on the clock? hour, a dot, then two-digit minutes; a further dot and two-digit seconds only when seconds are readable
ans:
1.34
